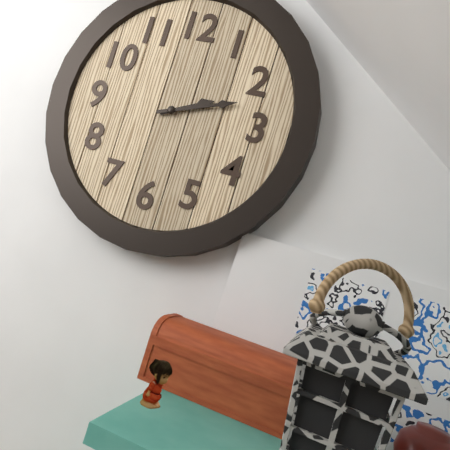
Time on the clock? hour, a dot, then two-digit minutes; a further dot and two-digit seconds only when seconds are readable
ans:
2.12
